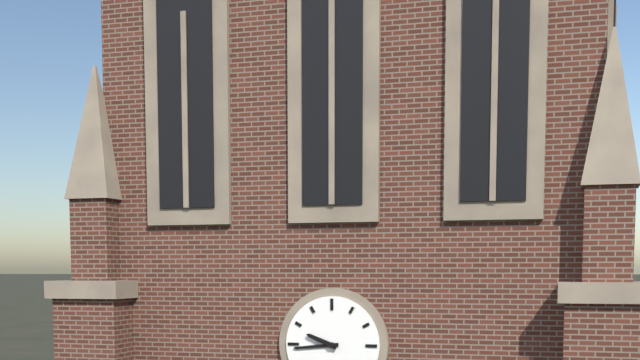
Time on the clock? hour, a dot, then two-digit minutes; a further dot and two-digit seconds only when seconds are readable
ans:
9.44
